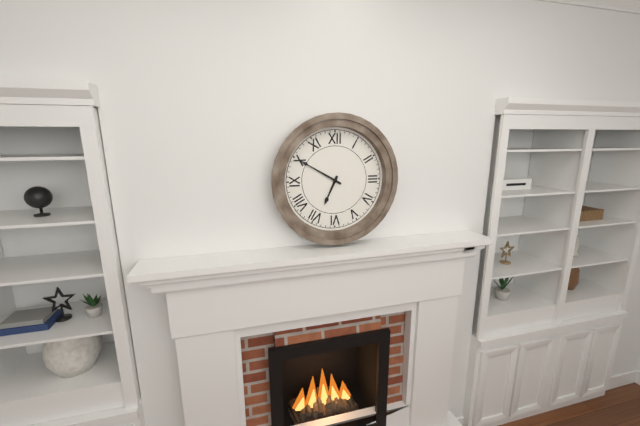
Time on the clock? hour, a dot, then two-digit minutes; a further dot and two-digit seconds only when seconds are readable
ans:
6.50
